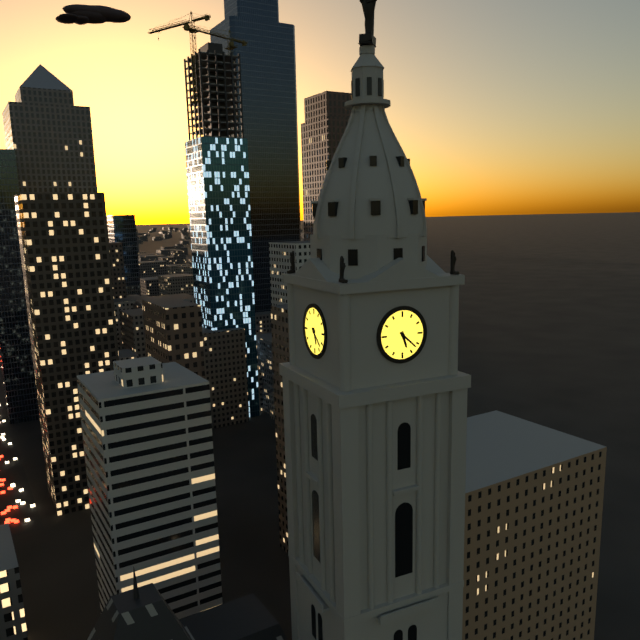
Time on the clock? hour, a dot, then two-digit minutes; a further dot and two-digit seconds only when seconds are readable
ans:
5.22
